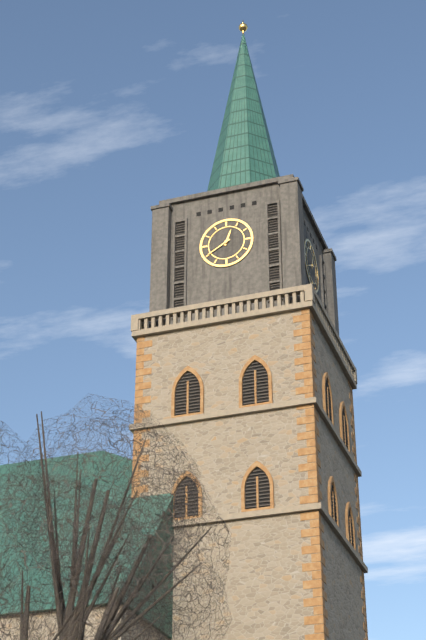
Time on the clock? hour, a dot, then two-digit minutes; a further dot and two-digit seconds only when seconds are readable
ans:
12.40
